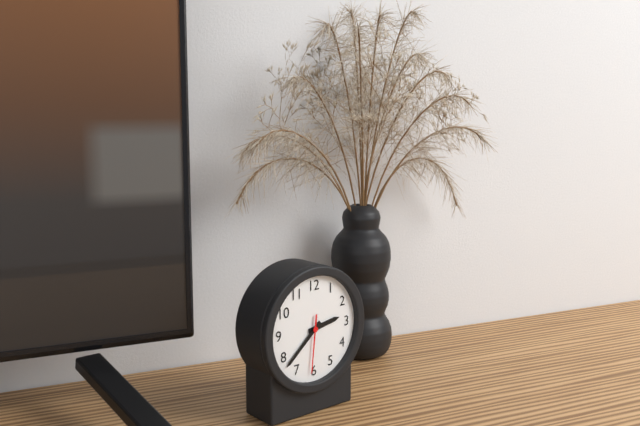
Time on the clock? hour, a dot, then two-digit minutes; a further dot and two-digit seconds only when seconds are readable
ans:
2.38.31
